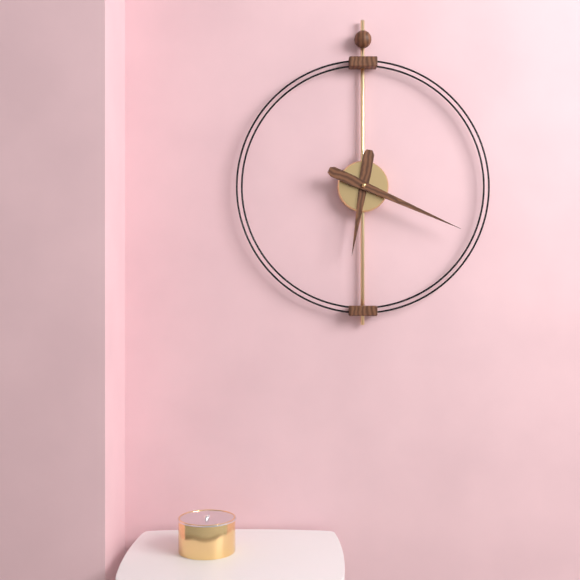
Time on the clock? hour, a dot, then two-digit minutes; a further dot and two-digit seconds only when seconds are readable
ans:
6.19
